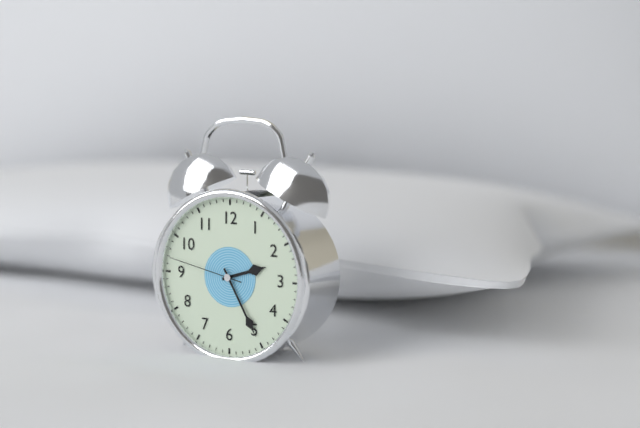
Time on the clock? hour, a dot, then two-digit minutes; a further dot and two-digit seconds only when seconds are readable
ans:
2.25.47
